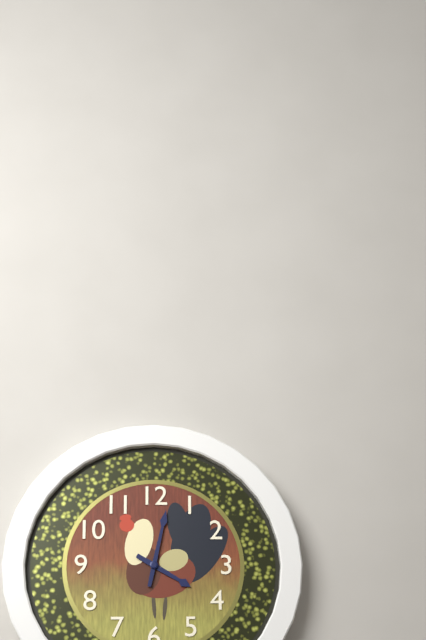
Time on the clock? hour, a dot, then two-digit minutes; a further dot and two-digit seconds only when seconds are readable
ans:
4.02
